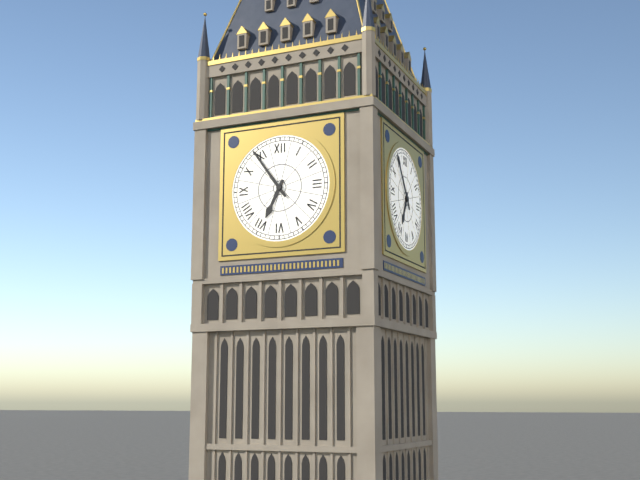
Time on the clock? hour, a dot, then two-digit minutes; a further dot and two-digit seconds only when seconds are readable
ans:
6.54
